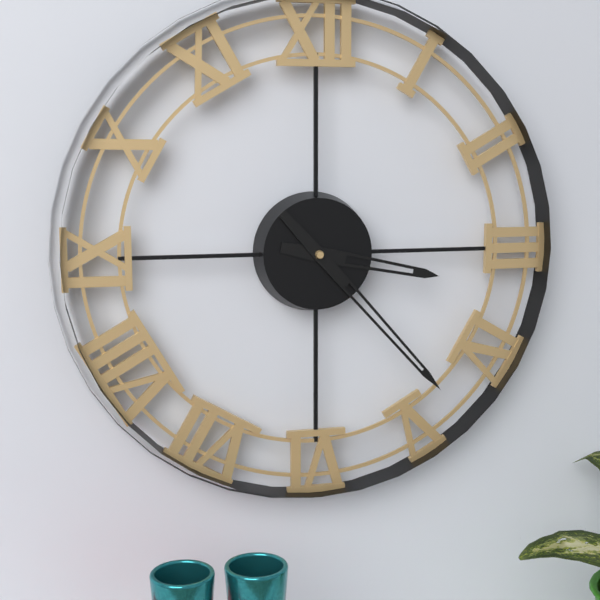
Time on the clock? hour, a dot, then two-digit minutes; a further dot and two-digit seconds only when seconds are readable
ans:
3.23
